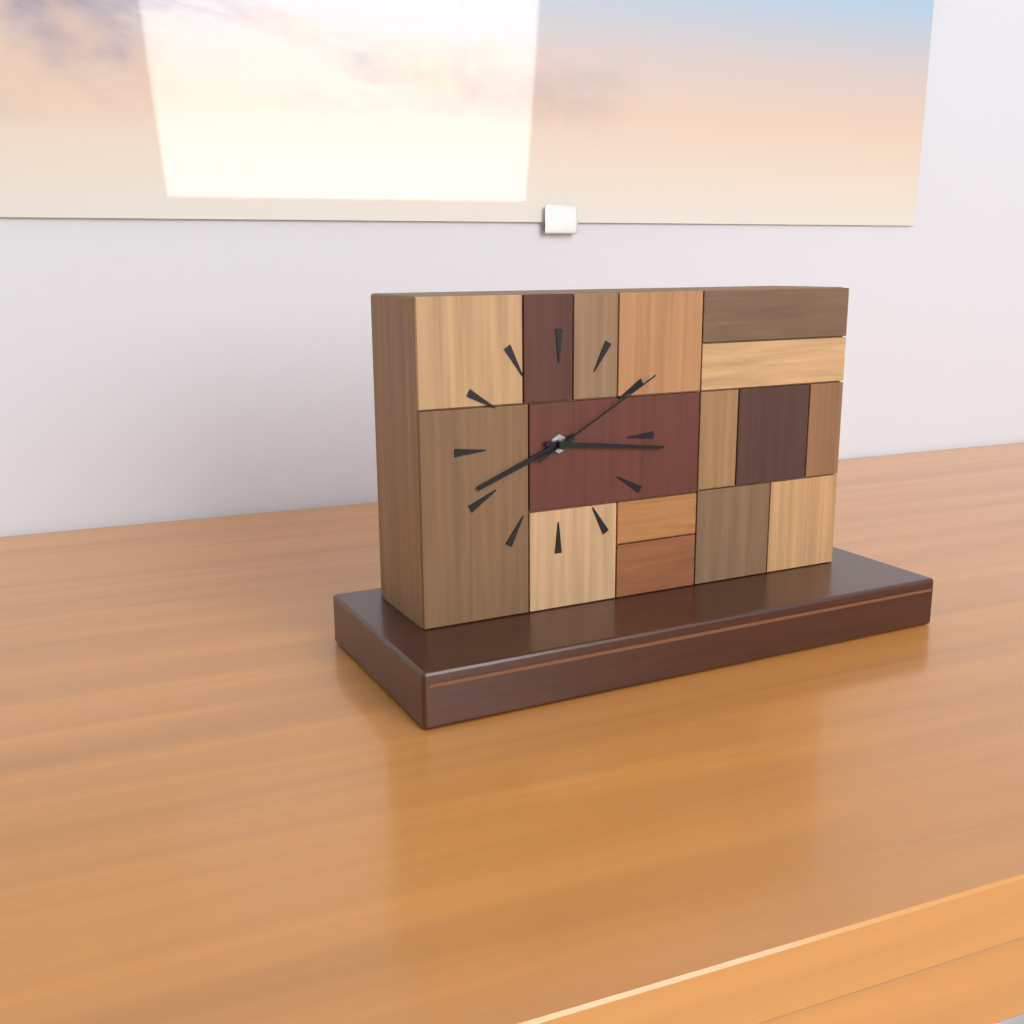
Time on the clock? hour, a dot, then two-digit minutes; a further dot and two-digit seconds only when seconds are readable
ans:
8.16.10
